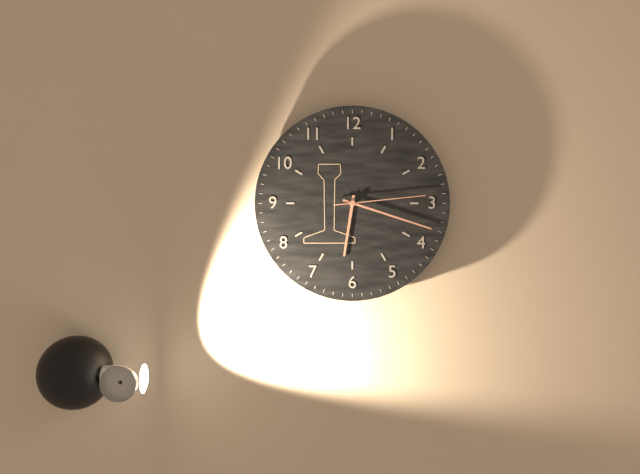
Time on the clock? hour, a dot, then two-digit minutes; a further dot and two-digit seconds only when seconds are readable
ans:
6.18.14
